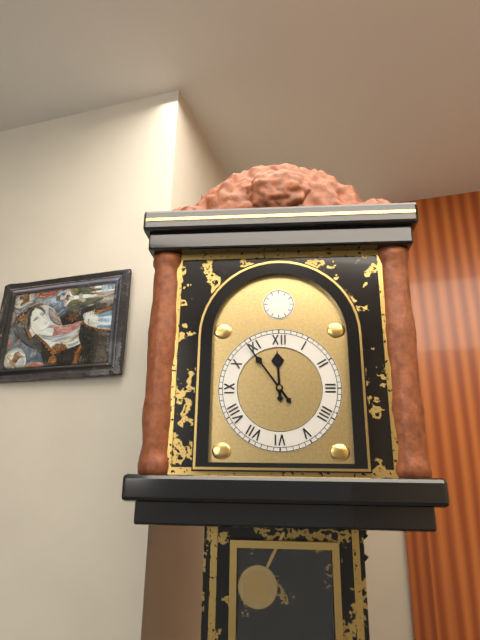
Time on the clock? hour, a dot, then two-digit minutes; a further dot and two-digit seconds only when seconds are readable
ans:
11.54
